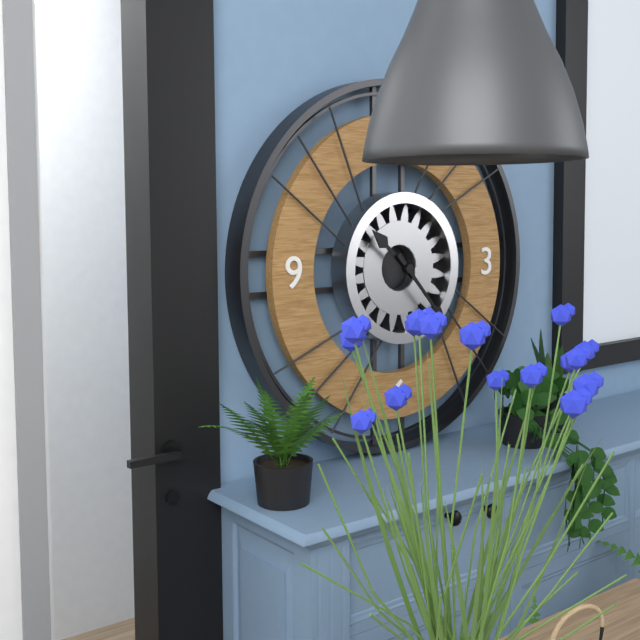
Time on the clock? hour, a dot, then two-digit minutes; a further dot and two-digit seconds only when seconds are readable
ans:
10.23
